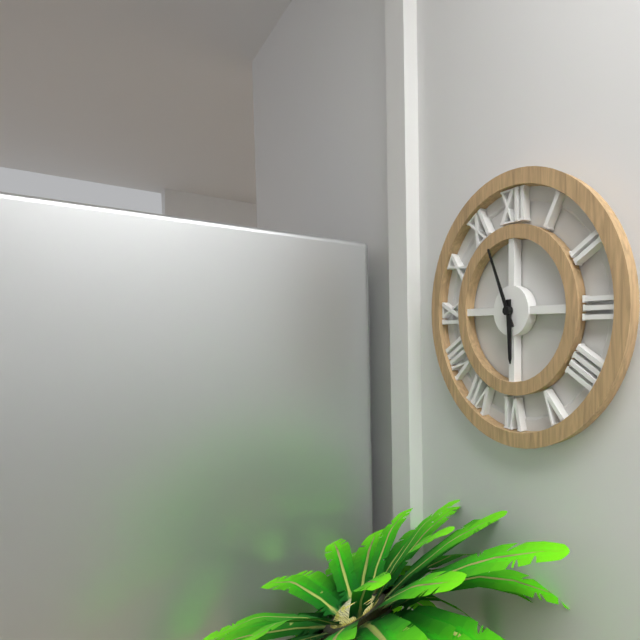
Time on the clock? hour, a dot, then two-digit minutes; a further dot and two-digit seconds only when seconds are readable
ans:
5.56
